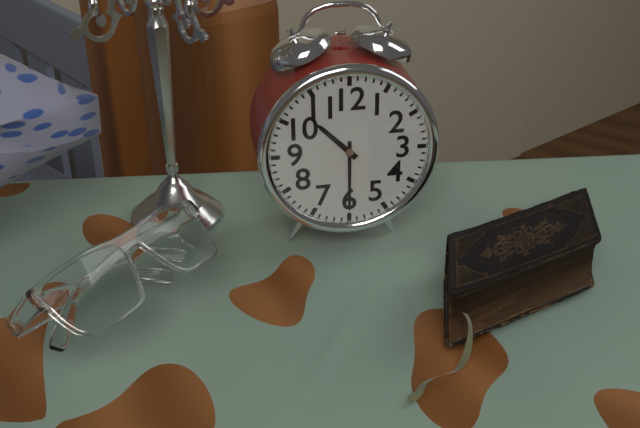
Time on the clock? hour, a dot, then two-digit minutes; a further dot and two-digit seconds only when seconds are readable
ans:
10.30
